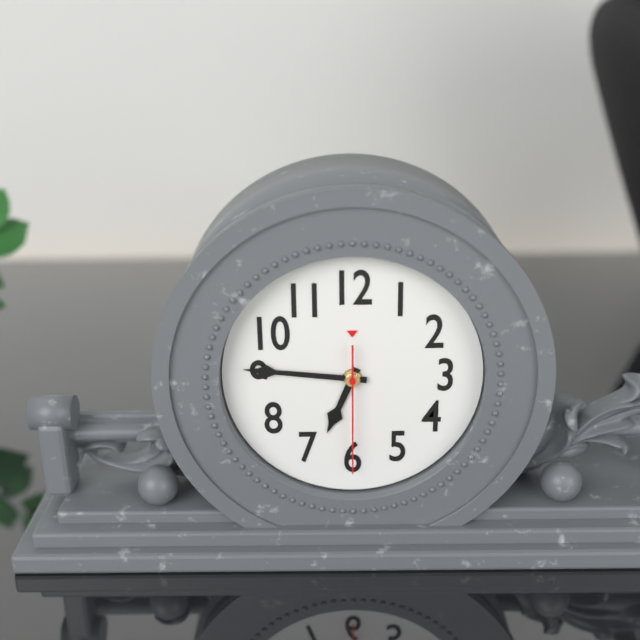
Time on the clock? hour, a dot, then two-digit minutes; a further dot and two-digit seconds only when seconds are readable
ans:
6.46.30
